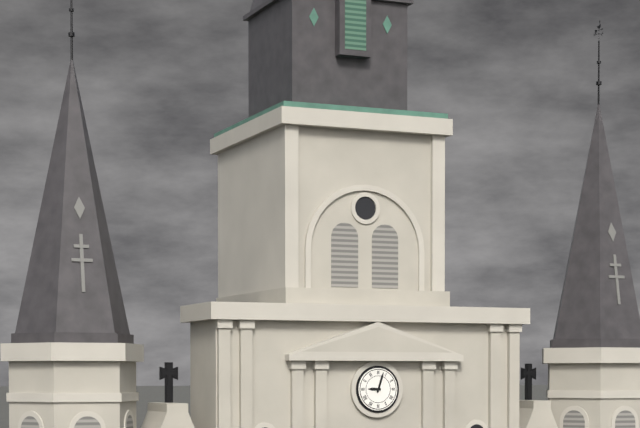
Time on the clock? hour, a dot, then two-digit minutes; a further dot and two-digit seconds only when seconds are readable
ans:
9.03
